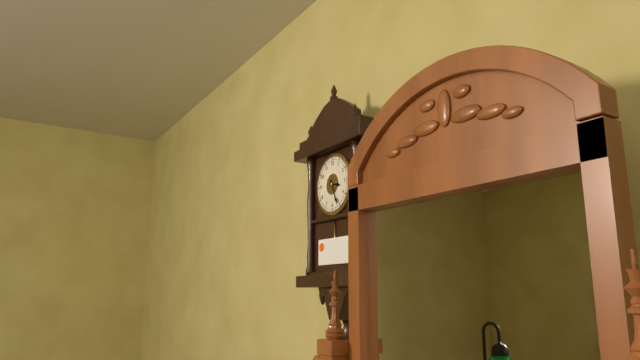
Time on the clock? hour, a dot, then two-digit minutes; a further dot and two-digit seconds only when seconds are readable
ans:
3.26
